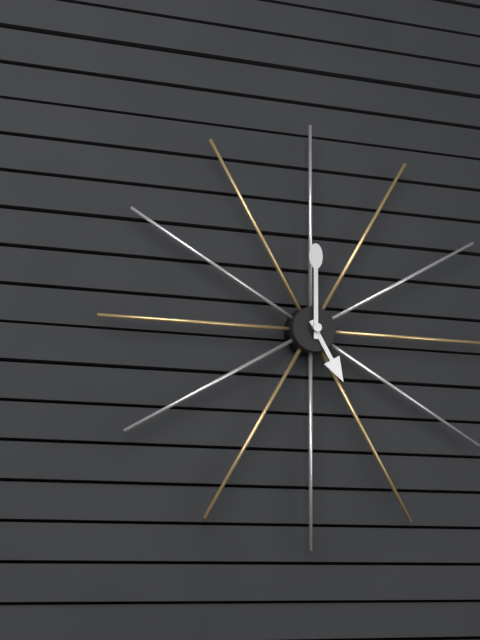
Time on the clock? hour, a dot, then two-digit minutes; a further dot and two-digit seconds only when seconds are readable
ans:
5.00
